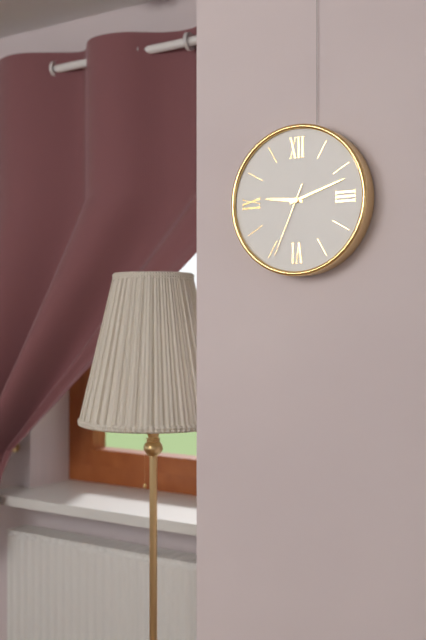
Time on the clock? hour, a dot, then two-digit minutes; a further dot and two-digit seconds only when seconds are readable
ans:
9.12.34
